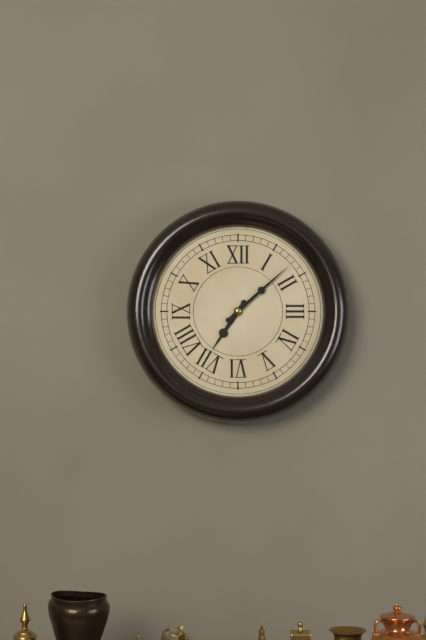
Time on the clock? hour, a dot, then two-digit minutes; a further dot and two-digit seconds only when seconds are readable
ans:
7.08
